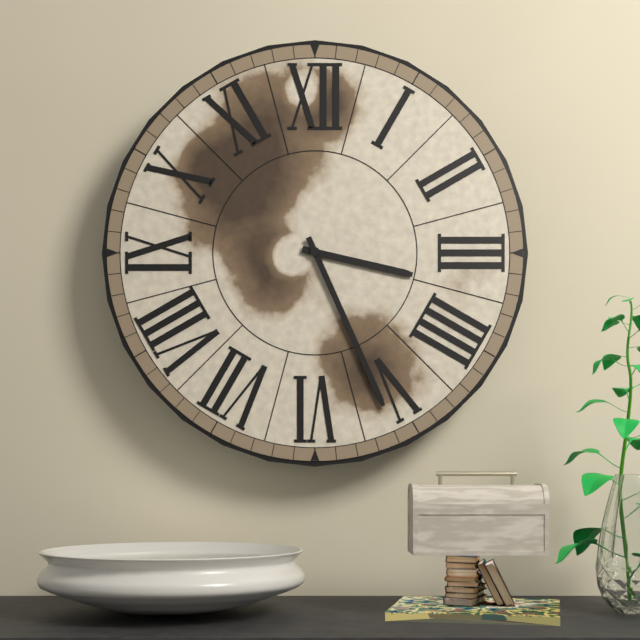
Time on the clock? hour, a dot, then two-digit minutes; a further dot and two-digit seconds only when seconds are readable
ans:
3.26
